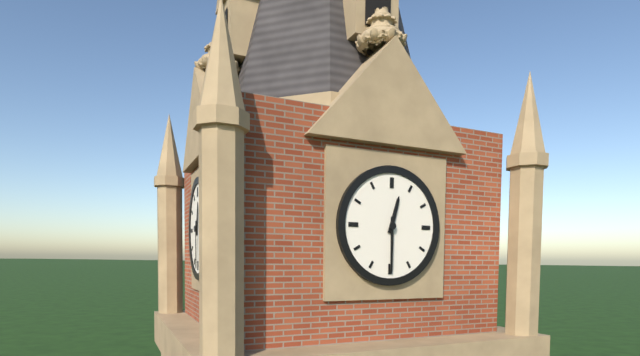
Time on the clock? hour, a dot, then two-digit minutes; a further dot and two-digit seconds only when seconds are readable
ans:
12.30
